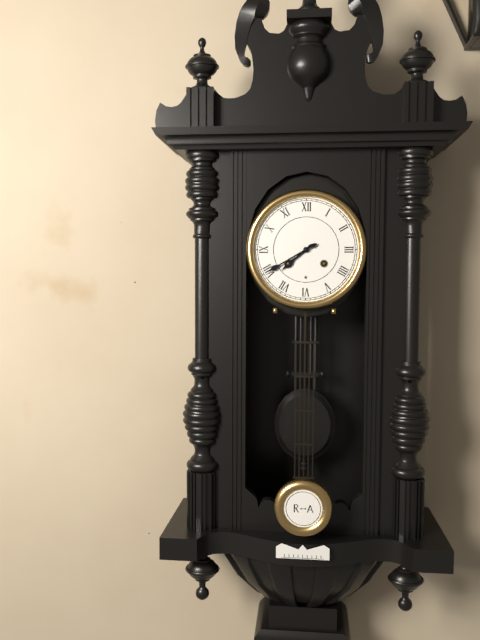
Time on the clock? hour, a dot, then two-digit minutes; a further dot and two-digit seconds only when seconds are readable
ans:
7.40
